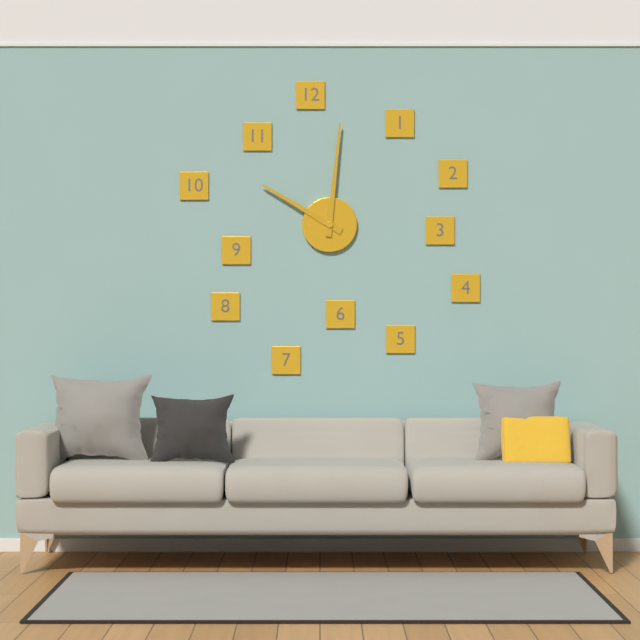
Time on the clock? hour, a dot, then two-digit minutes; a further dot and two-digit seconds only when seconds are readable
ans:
10.01
